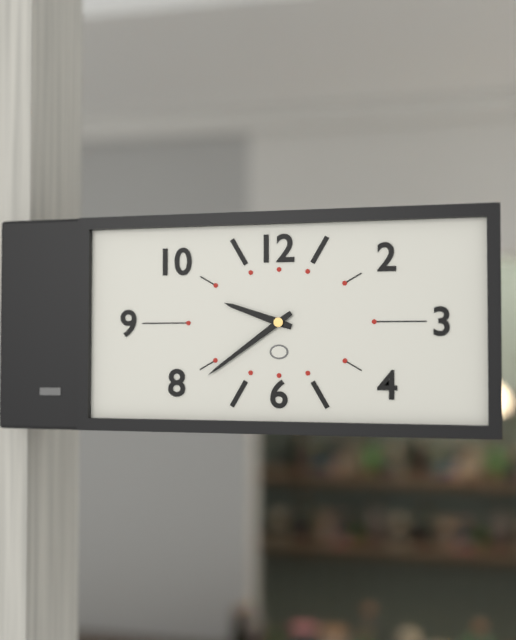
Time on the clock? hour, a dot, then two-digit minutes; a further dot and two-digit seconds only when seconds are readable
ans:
9.39
